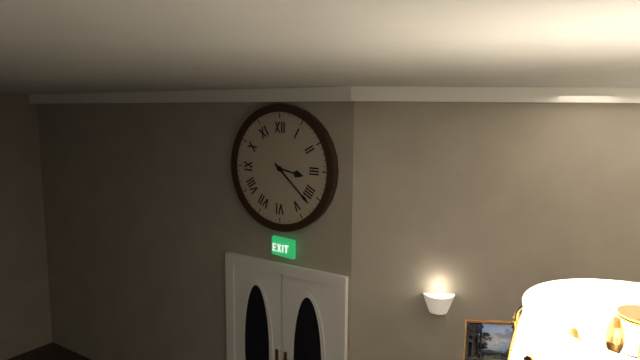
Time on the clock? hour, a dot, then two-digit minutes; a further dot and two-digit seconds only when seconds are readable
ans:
3.22
